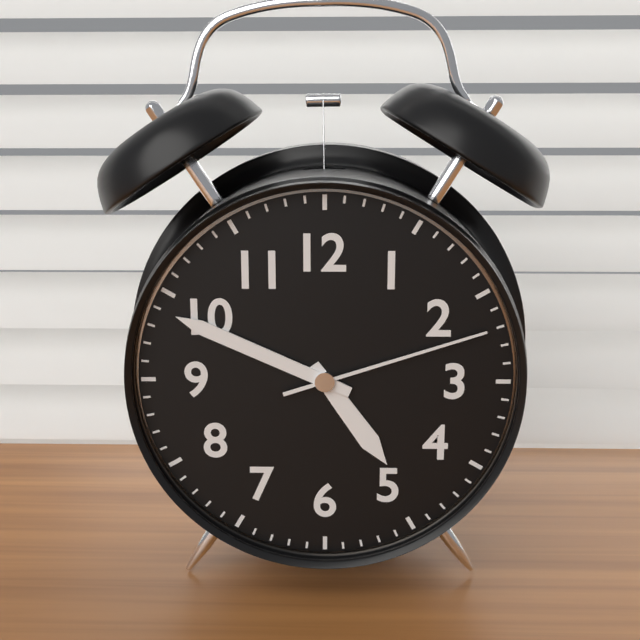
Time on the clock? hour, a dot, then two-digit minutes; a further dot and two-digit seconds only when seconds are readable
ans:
4.49.12
